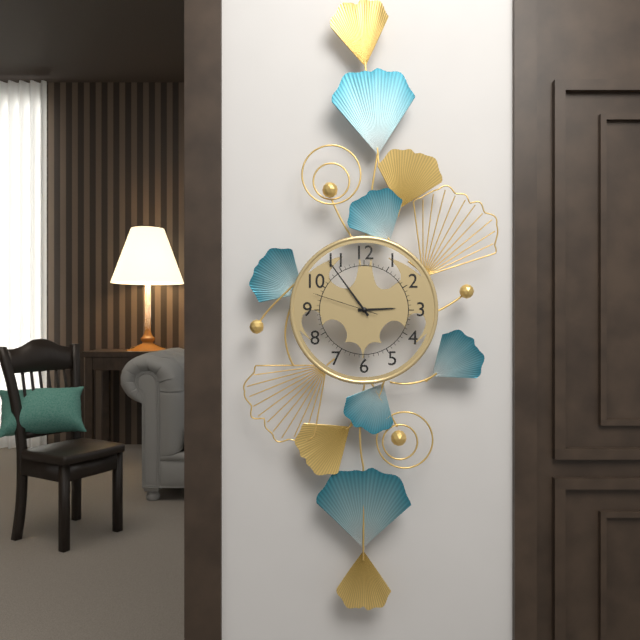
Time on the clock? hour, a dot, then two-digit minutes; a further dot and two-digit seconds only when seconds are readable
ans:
2.54.48
